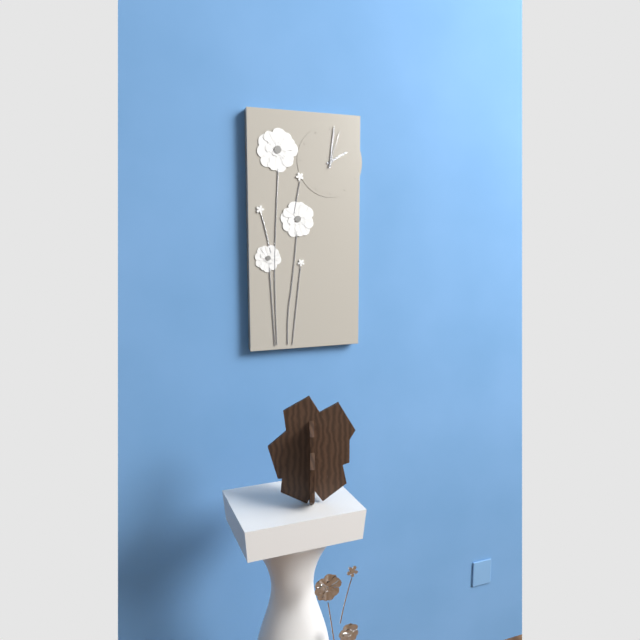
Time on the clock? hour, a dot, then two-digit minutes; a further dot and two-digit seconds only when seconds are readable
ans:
2.01
